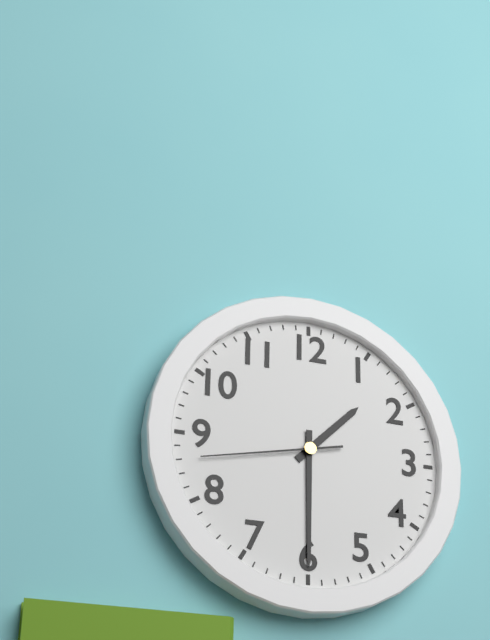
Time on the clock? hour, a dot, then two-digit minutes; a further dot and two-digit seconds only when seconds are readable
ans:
1.30.43
